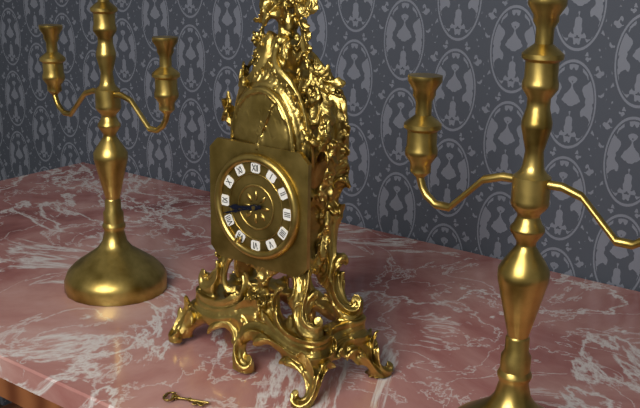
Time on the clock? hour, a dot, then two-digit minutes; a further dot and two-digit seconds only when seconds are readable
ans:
8.42
